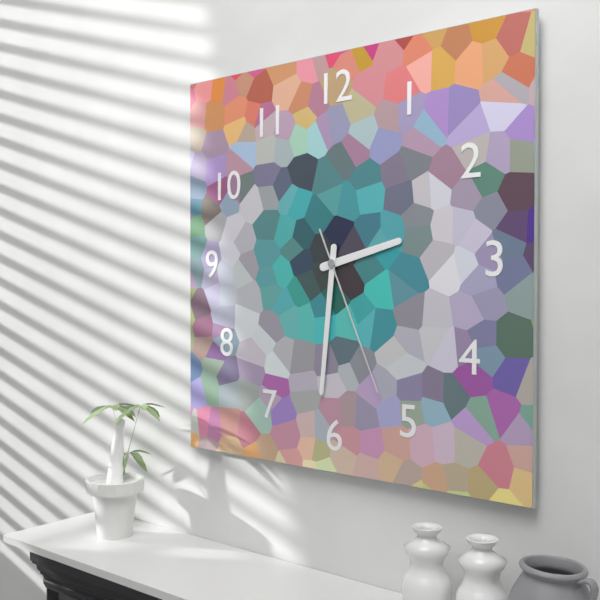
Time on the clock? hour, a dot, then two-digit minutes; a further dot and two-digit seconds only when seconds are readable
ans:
2.31.26
